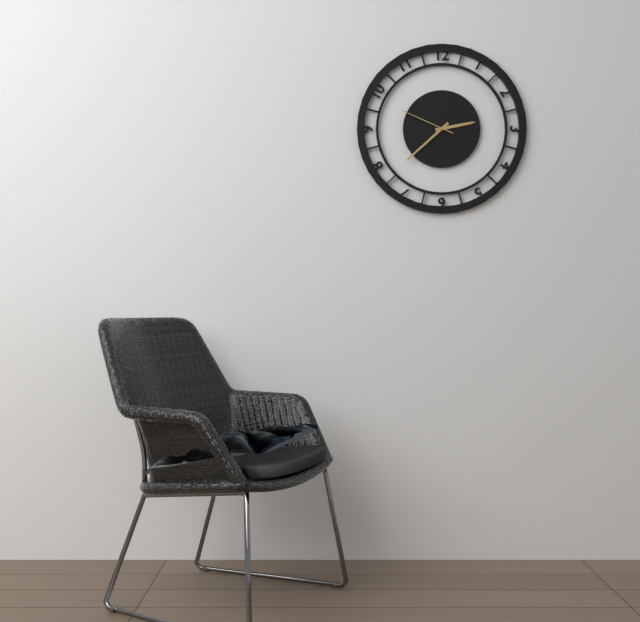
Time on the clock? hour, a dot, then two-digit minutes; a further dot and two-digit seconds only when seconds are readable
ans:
2.38.49
